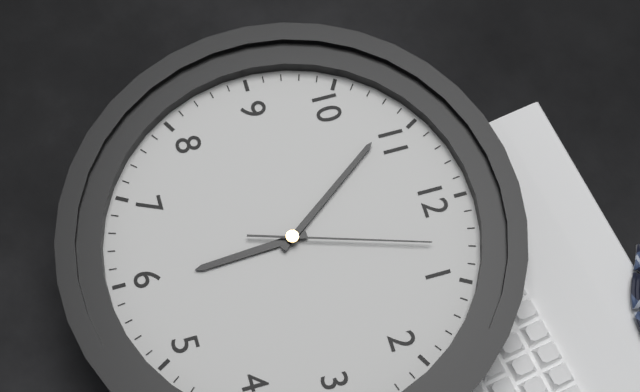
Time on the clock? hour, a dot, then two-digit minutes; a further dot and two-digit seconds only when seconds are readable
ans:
5.54.03
